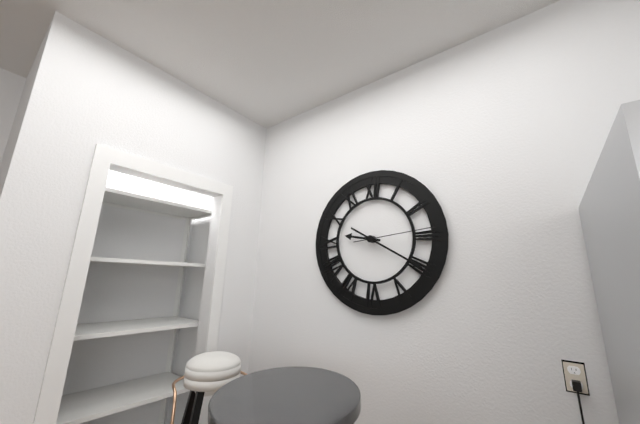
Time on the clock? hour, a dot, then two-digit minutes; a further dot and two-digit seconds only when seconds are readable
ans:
9.20.14
